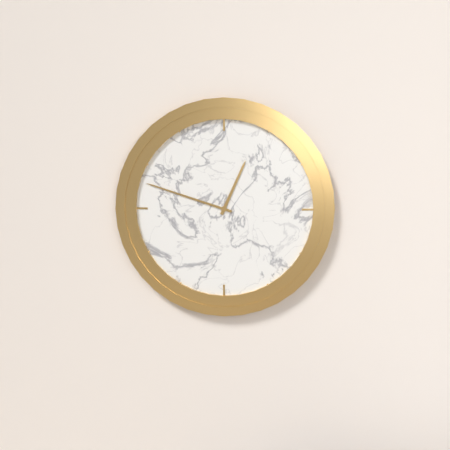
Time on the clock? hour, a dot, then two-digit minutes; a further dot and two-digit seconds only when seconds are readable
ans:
12.48
